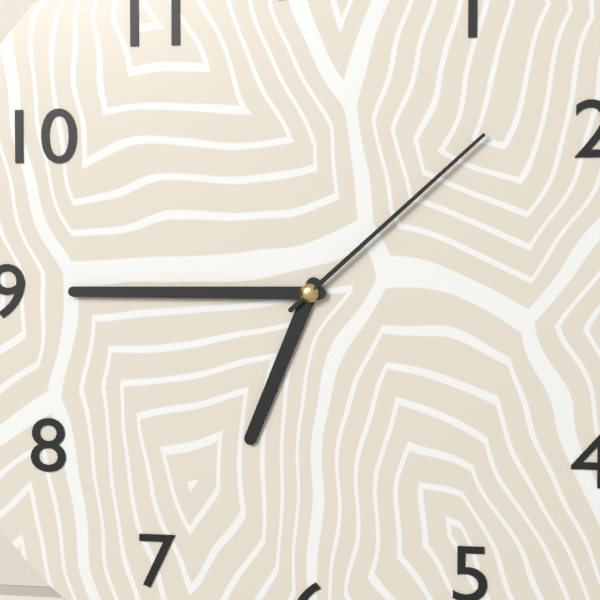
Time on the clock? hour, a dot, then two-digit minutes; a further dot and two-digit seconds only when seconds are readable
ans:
6.45.08
